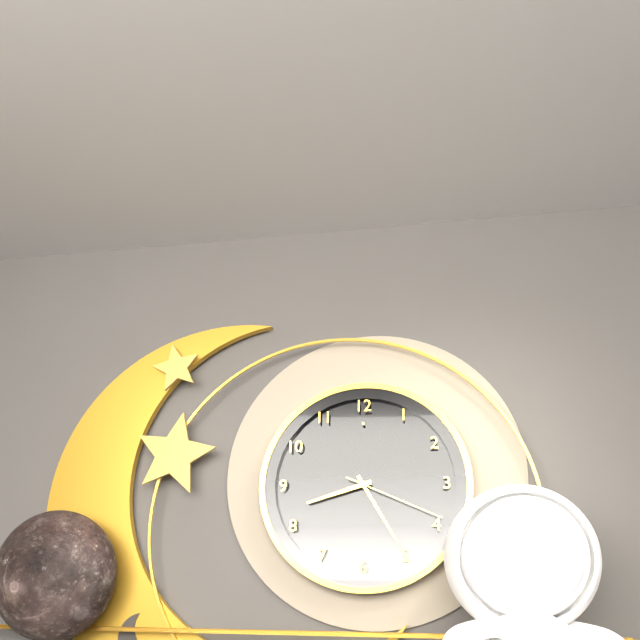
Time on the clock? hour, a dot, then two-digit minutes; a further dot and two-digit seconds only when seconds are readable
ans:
8.25.19
